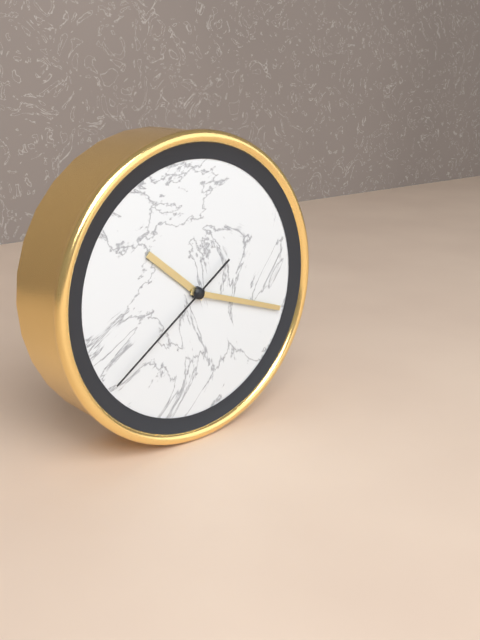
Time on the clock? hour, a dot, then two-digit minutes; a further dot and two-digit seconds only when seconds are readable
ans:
10.18.39
